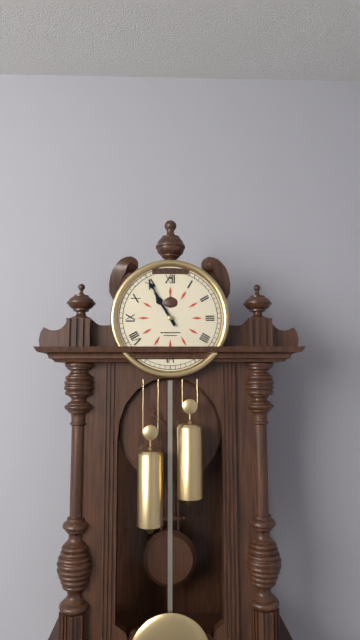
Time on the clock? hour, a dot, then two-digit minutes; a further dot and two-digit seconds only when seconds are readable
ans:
10.55
